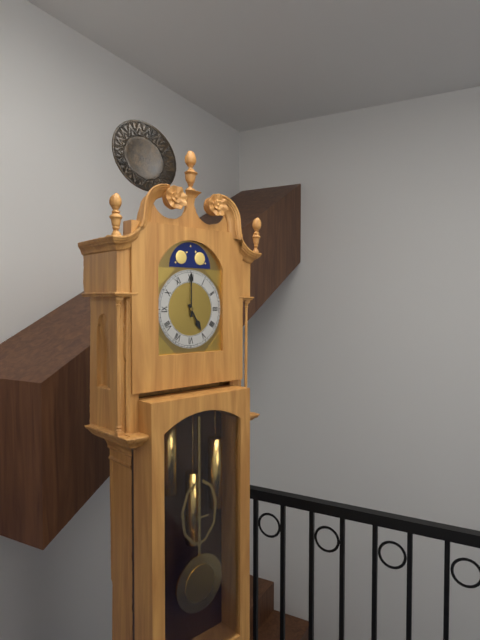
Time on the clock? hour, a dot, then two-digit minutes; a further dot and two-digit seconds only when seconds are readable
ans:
5.00
